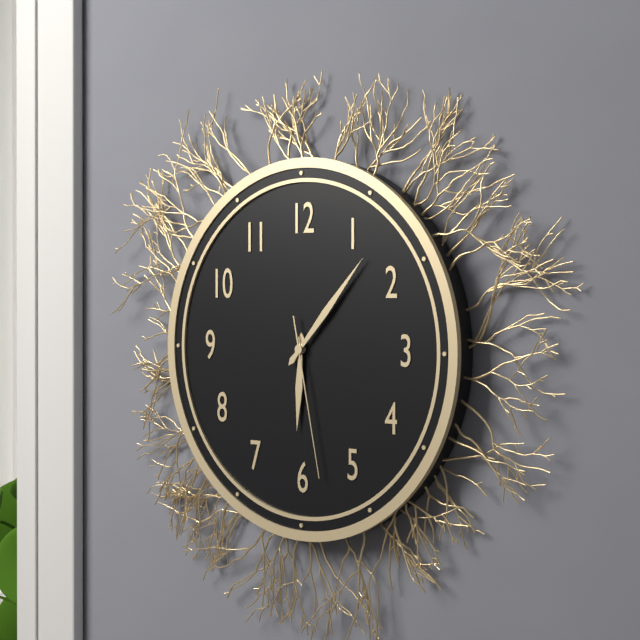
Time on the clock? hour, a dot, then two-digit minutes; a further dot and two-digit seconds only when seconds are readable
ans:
6.07.28
